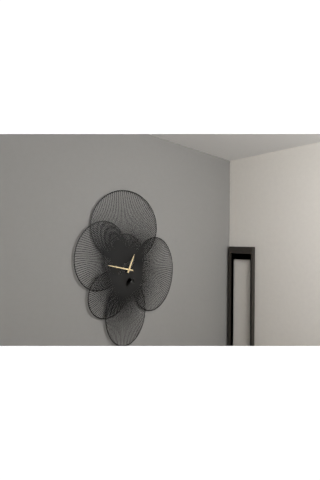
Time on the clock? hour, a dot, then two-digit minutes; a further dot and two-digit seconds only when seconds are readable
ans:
12.47
